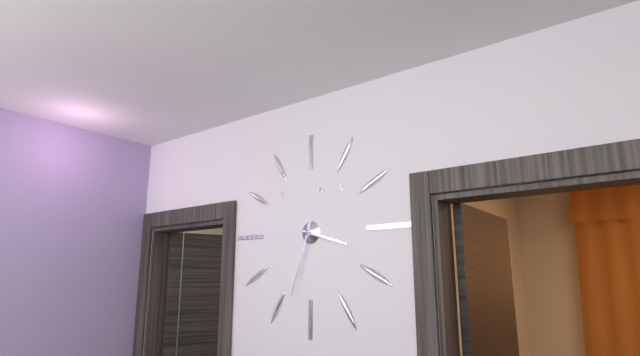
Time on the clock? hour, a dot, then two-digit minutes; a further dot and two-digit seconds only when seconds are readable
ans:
3.33
